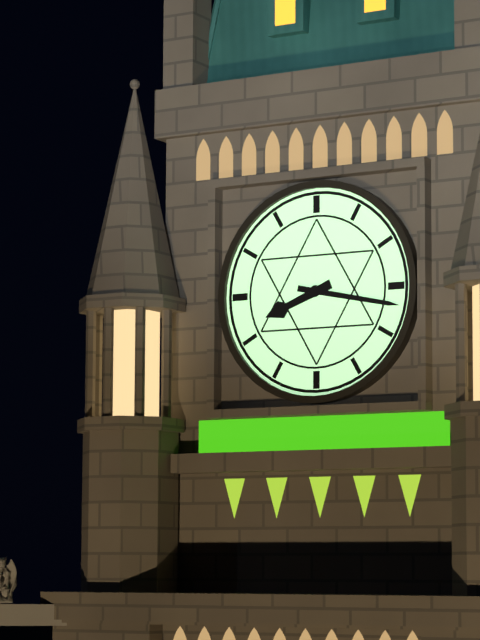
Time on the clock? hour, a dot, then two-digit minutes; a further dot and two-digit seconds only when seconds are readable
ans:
8.17
